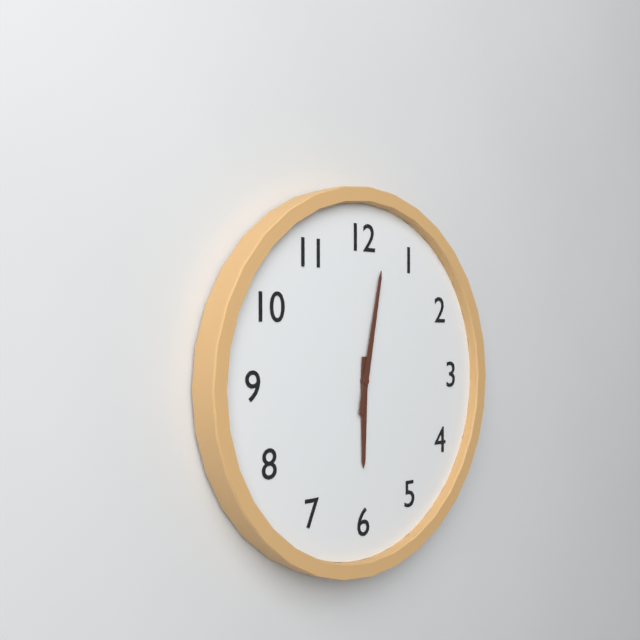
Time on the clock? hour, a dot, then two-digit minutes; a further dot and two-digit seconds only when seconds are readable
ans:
6.02
